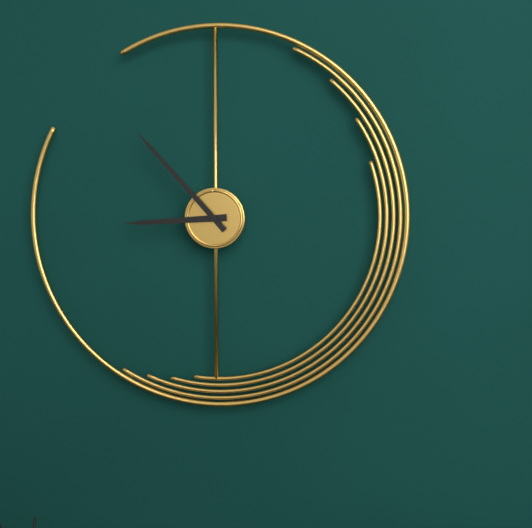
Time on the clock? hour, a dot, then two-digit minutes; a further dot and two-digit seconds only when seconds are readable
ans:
8.53
